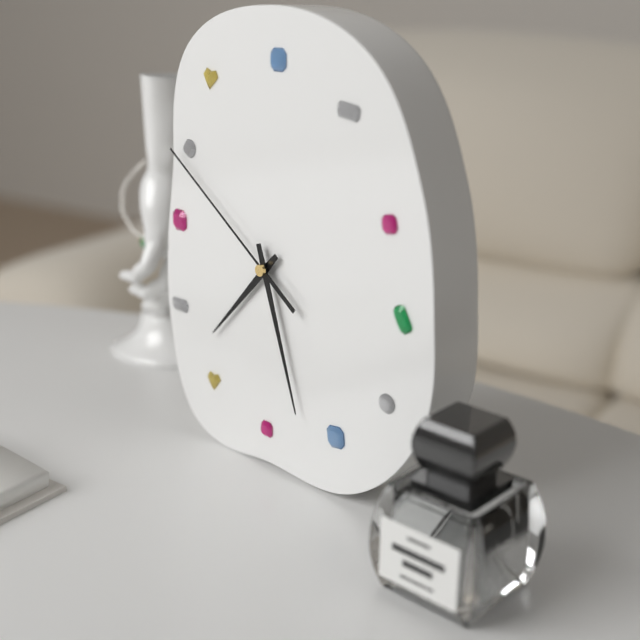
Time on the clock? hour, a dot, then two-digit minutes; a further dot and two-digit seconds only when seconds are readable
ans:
7.27.51
